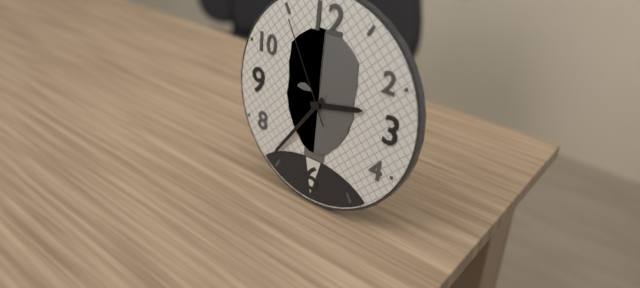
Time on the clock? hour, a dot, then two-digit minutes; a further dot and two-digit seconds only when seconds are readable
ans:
2.36.55
